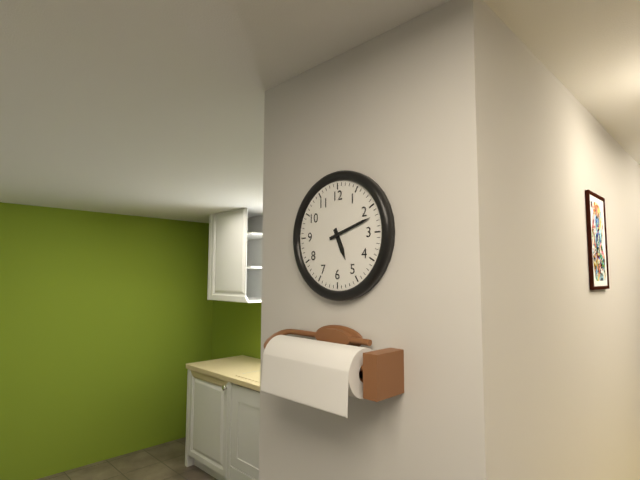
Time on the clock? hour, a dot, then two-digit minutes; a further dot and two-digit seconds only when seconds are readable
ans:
5.12
